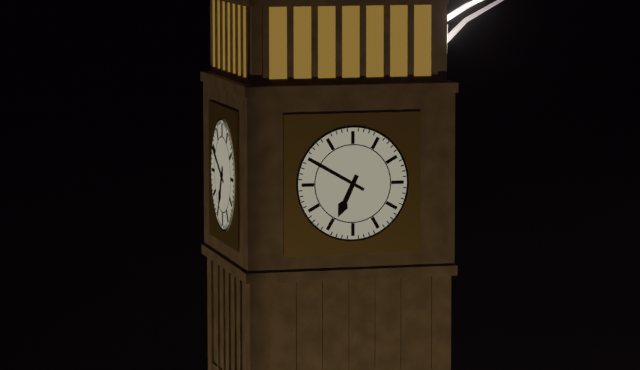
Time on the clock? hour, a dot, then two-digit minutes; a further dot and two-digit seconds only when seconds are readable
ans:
6.50
